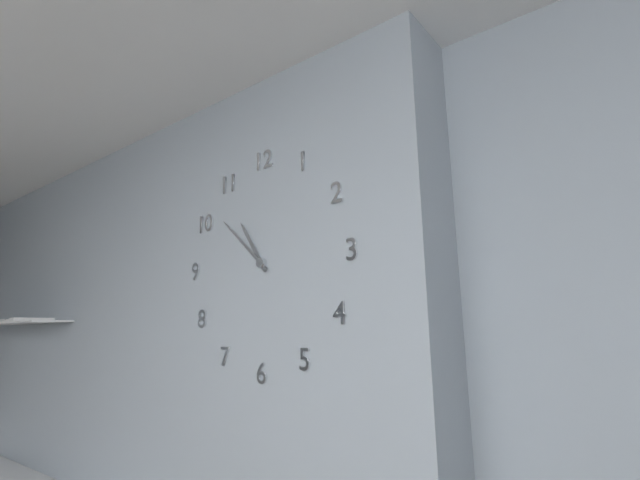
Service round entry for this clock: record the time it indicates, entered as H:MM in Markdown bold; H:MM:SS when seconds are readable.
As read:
**10:52**
